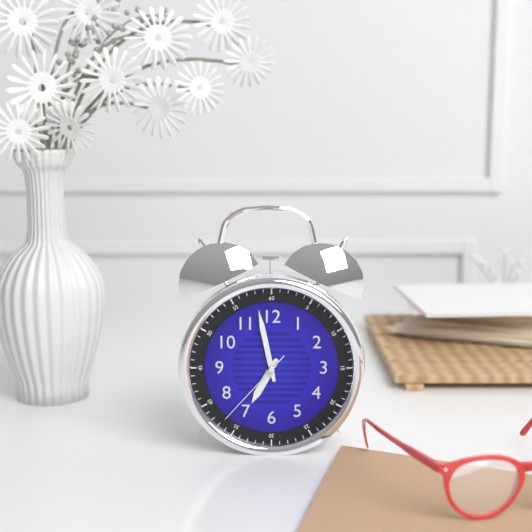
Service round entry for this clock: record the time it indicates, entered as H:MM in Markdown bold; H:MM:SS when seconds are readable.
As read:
**6:58:37**
